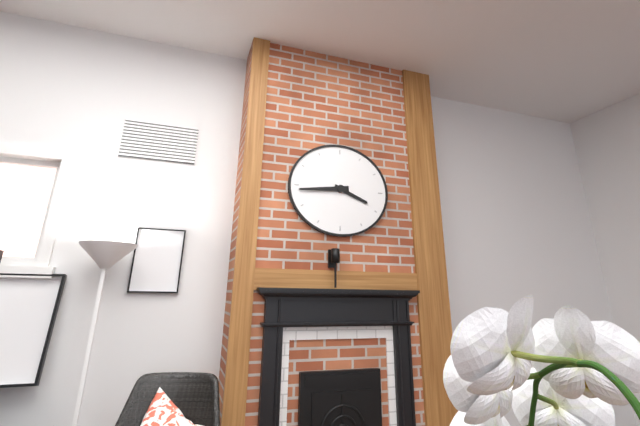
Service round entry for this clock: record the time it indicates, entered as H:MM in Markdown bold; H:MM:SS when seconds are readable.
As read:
**3:44**
